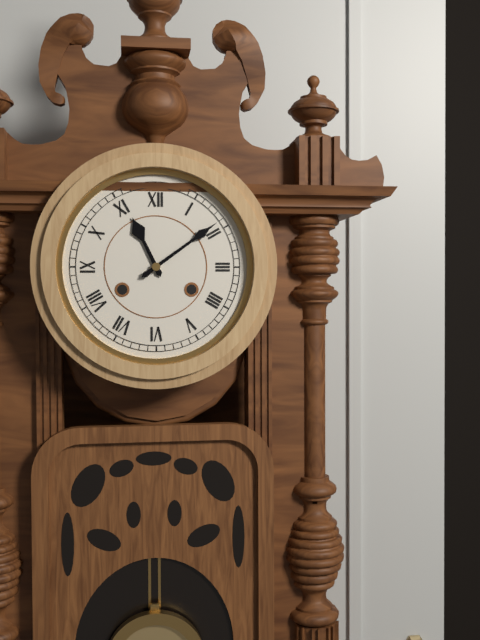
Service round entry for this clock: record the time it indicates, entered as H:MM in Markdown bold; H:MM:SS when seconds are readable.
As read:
**11:09**
